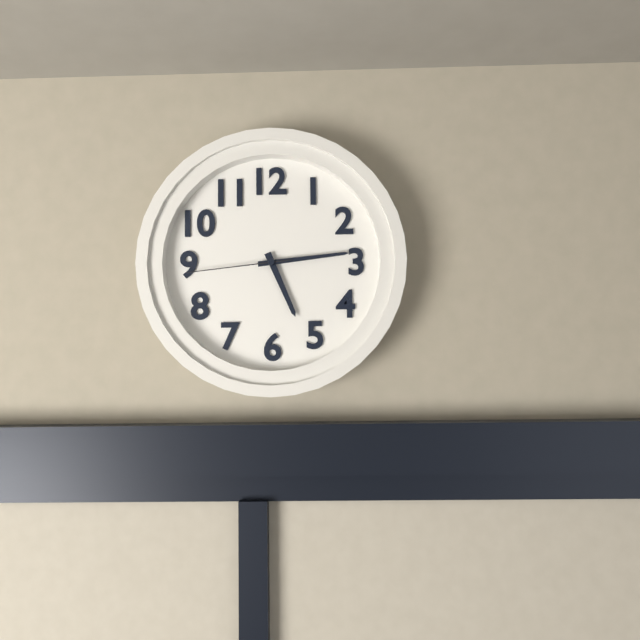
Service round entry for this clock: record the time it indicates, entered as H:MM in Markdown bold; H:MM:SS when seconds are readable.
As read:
**5:14:44**
